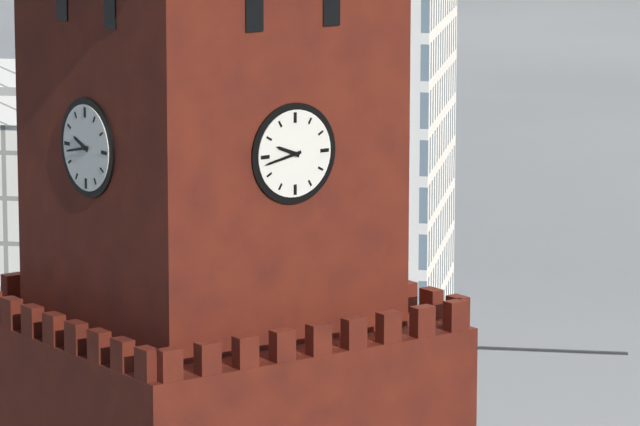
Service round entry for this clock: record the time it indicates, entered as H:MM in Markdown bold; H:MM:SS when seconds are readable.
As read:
**9:43**
